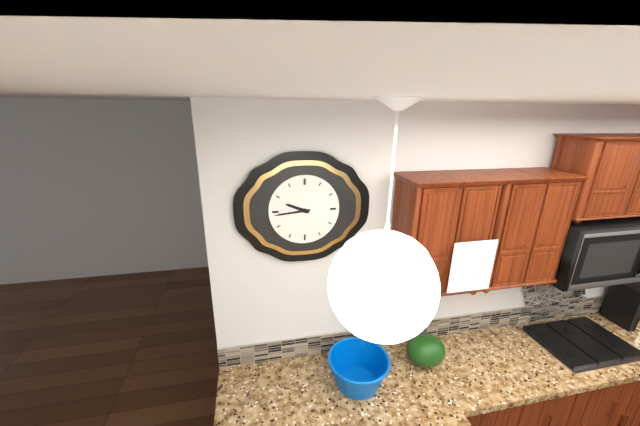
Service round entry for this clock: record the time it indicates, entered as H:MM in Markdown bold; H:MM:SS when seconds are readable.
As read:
**9:44**
